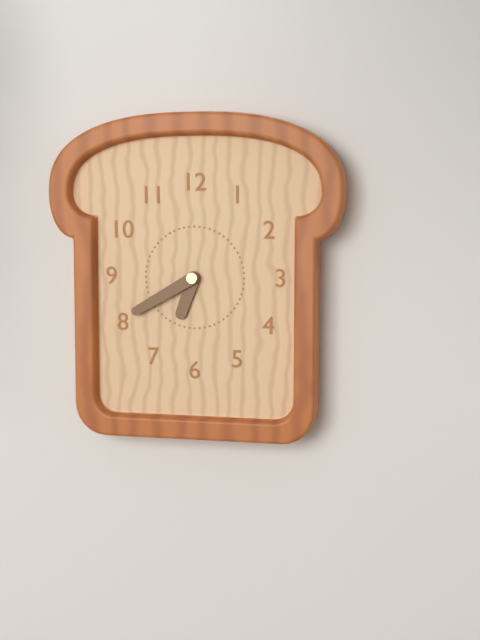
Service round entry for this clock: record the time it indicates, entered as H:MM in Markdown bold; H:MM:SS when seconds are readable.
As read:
**6:40**
